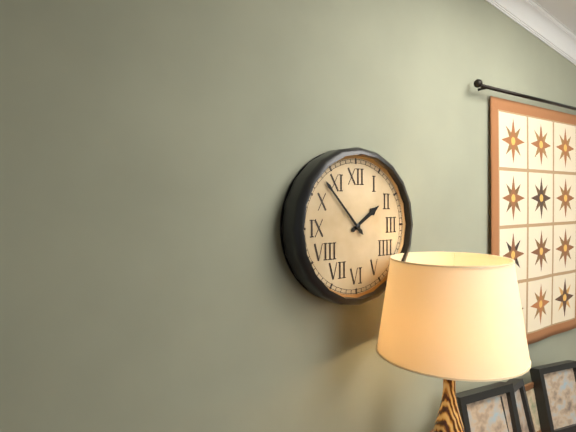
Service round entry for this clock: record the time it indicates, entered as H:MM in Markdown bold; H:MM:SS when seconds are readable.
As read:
**1:53**
